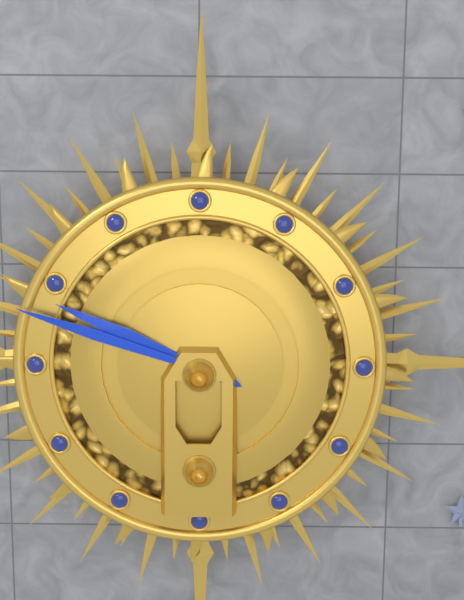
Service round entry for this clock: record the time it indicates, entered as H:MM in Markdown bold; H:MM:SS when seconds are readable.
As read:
**9:48**
